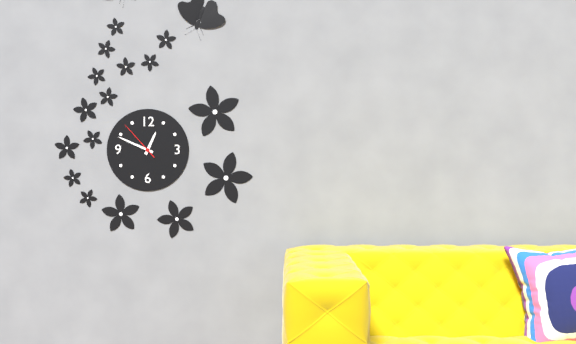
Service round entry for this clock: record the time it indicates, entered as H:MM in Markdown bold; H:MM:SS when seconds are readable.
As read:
**12:49**
